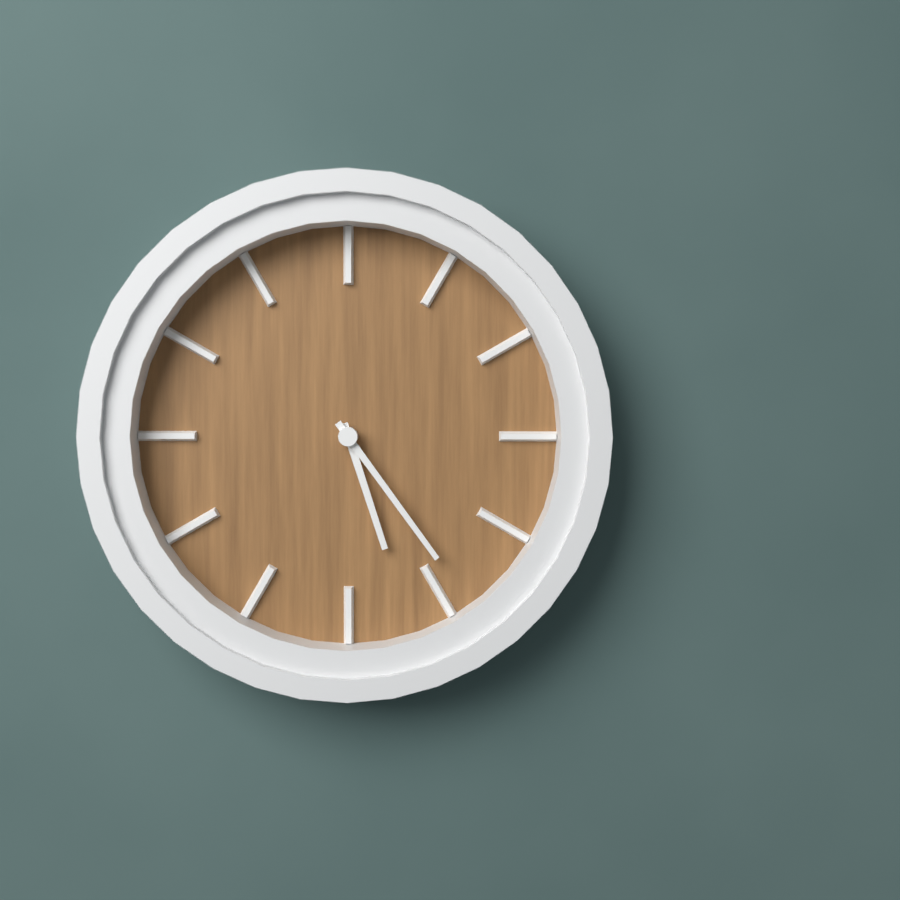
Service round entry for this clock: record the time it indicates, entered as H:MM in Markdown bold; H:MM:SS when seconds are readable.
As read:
**5:24**
